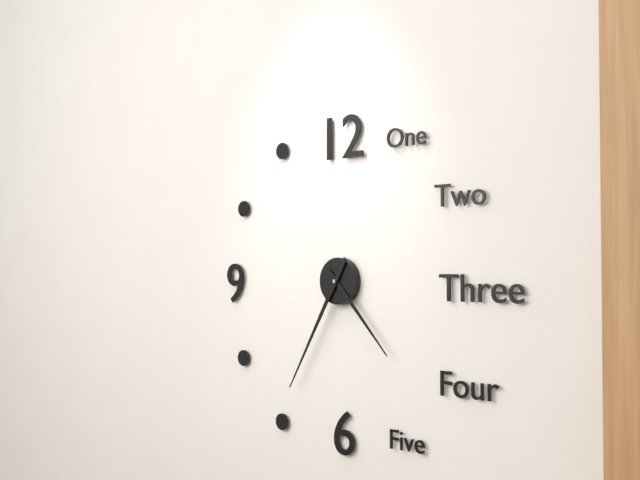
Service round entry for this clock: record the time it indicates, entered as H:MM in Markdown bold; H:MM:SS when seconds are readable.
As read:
**4:35**
